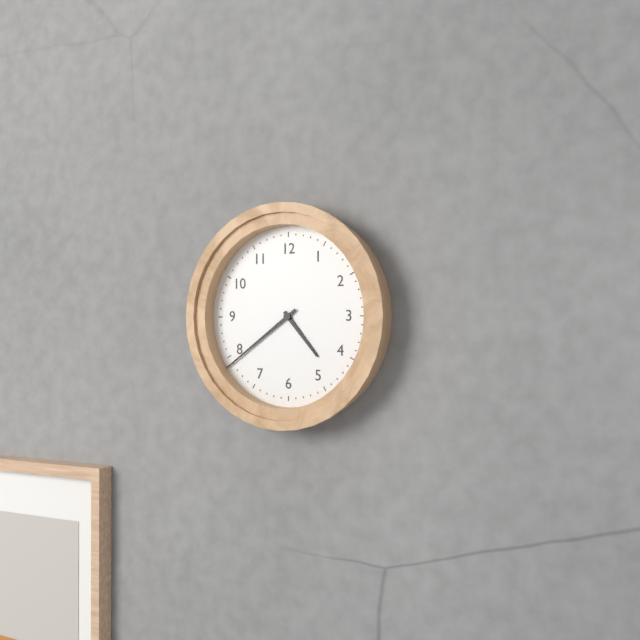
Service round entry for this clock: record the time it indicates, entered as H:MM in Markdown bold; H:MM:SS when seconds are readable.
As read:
**4:39**
